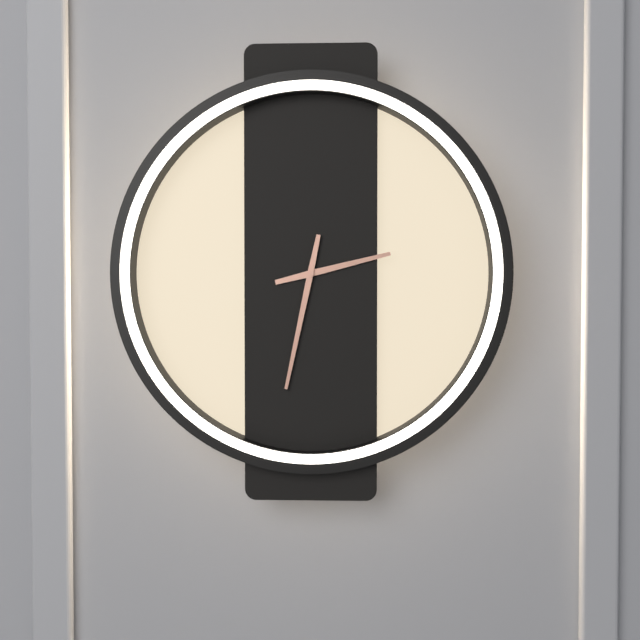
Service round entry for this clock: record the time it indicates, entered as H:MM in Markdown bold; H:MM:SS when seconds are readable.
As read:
**2:32**
